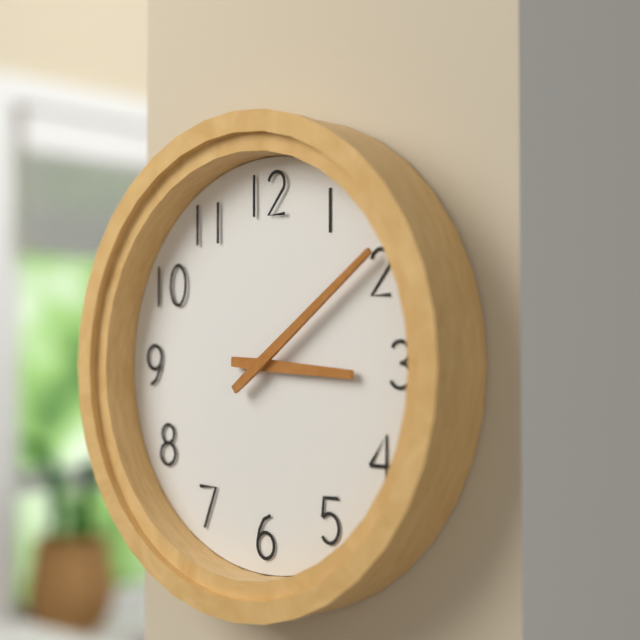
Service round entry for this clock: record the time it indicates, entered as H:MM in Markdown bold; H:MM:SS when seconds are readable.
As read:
**3:09**
